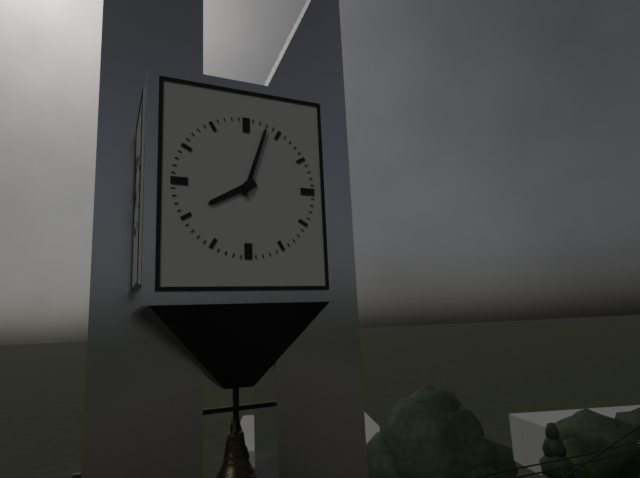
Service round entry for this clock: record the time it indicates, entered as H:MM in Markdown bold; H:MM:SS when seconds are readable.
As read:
**8:03**
